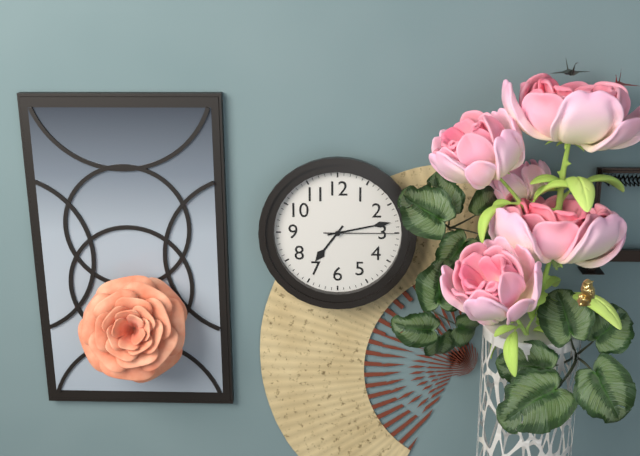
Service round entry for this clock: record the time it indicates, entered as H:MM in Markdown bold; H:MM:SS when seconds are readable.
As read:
**7:13:15**
